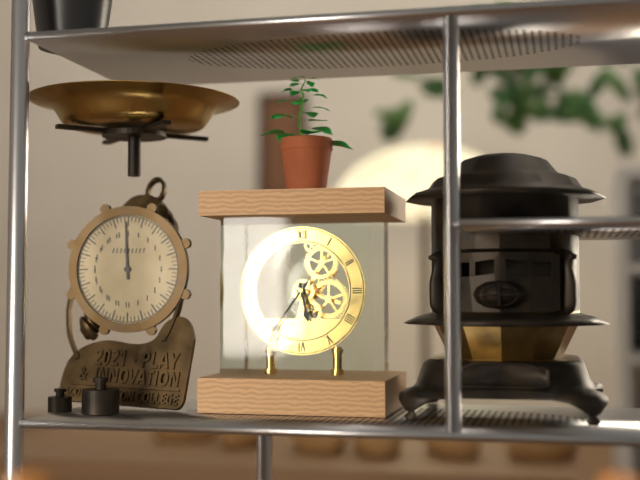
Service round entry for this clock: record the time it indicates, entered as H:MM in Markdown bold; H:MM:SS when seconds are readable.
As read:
**5:36**
